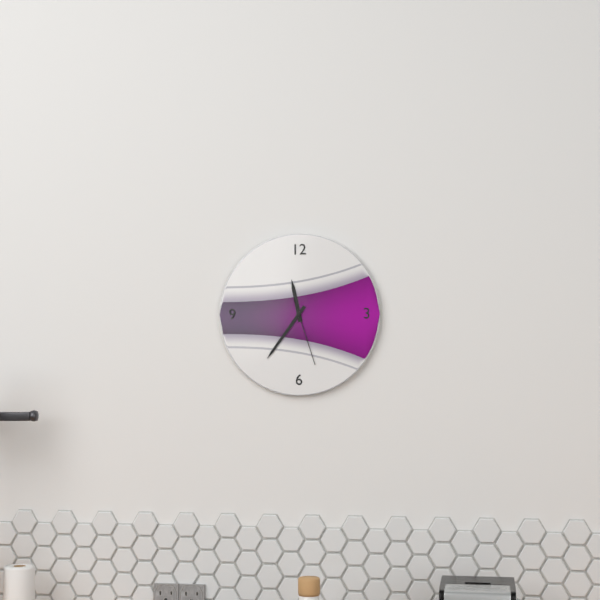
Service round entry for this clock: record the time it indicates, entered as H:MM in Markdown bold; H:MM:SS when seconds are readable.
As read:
**11:36:27**
